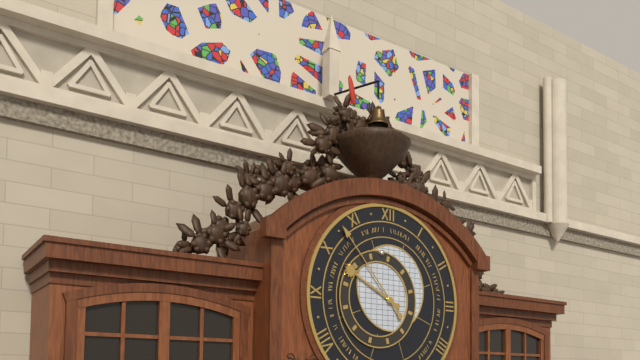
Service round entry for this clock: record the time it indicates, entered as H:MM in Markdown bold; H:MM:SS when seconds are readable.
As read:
**9:53**
